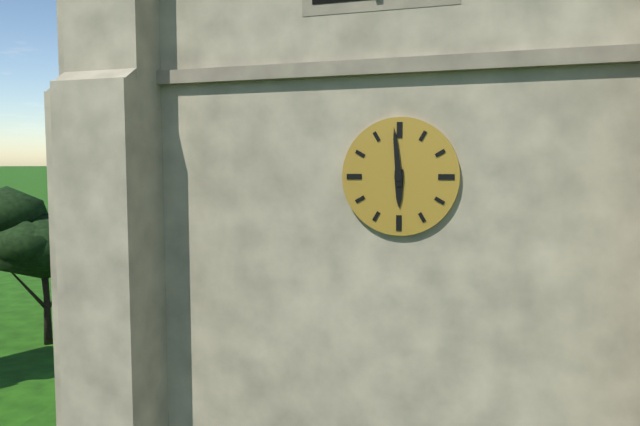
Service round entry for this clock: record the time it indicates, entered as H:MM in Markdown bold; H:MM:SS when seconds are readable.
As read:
**5:59**
